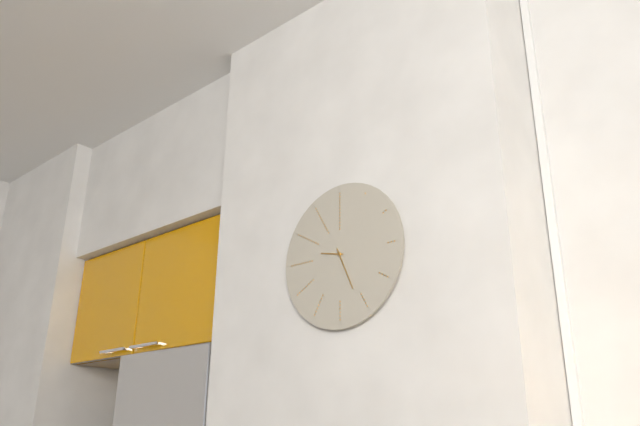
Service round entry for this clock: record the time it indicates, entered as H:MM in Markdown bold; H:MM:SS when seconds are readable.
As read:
**9:26**
